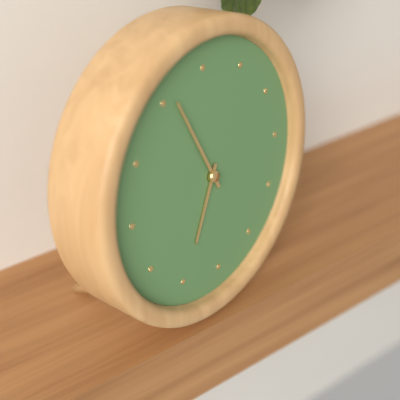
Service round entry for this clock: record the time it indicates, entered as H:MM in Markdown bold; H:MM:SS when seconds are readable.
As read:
**6:56**
